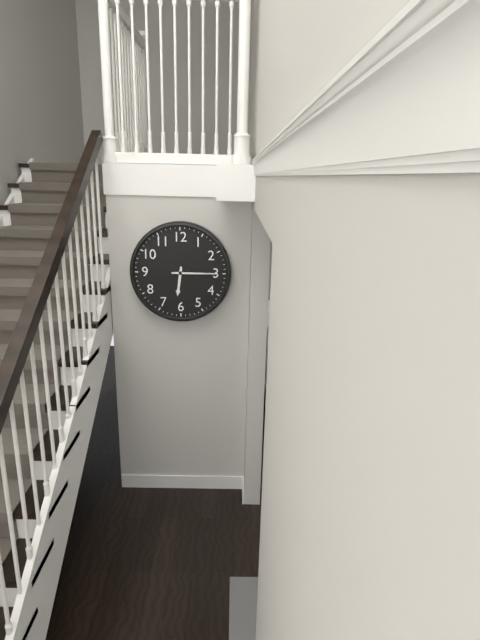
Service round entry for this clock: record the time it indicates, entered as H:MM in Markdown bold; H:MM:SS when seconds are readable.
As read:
**6:15**
